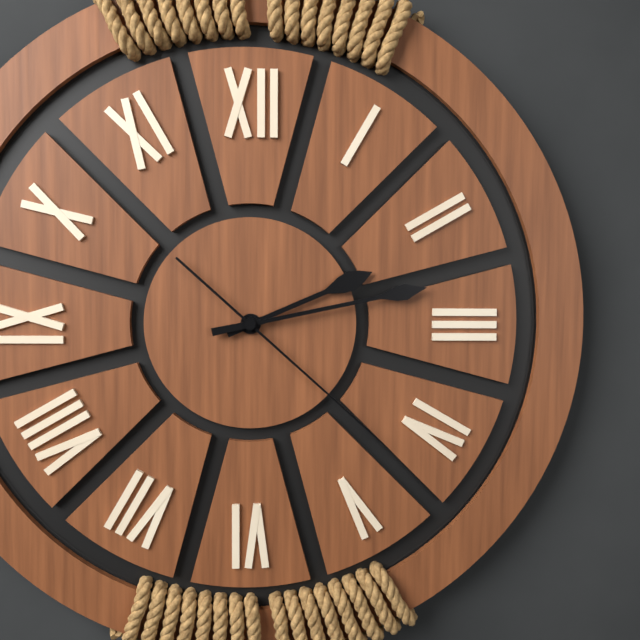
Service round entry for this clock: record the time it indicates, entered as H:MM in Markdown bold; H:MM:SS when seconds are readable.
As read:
**2:13:22**
